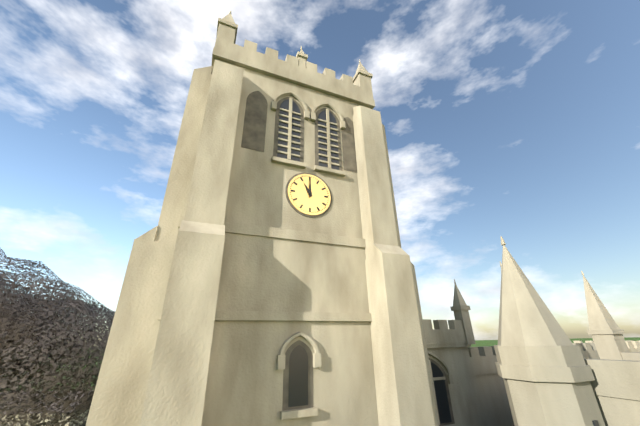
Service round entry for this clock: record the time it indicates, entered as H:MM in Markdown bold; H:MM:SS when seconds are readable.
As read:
**11:00**
